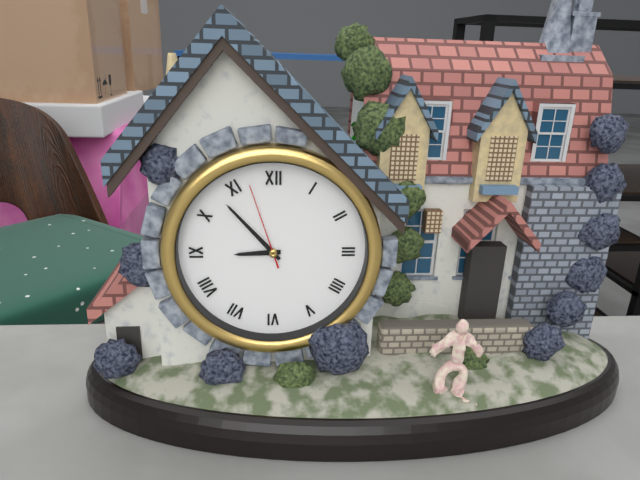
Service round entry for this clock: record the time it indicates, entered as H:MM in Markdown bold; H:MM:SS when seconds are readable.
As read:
**8:53:57**
